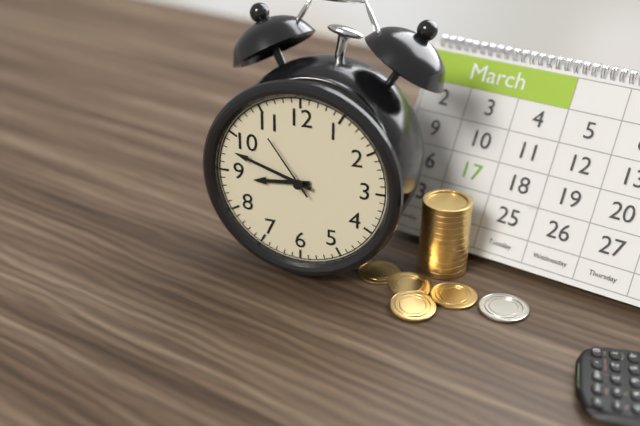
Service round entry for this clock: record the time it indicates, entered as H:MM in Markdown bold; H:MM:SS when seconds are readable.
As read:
**8:48:54**
